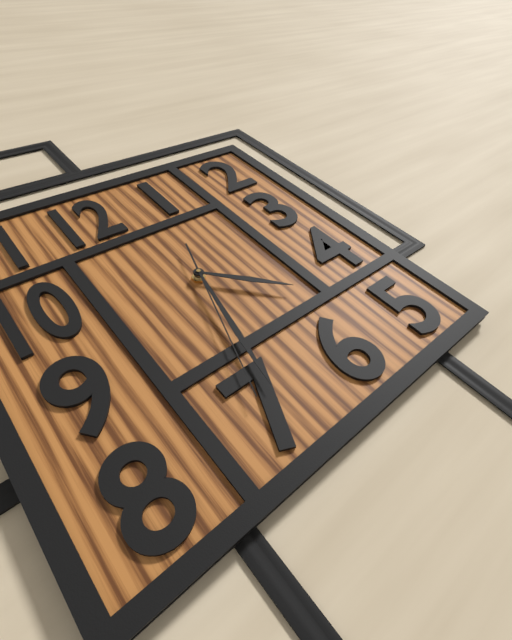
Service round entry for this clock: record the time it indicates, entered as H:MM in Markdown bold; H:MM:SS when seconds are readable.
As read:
**4:32:33**
